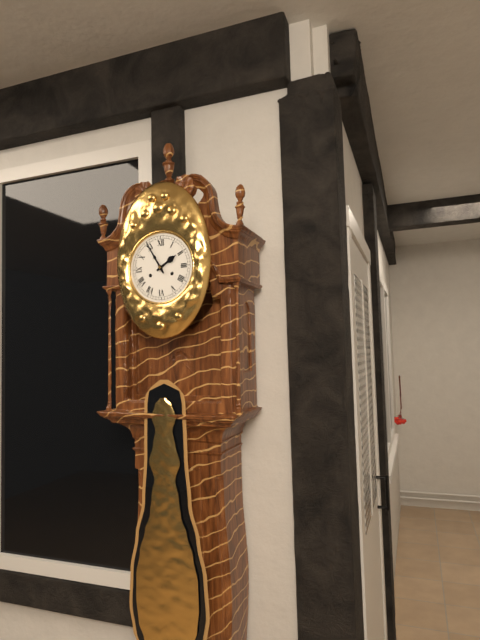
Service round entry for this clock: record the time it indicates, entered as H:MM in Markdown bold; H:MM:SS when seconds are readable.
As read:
**1:55**
